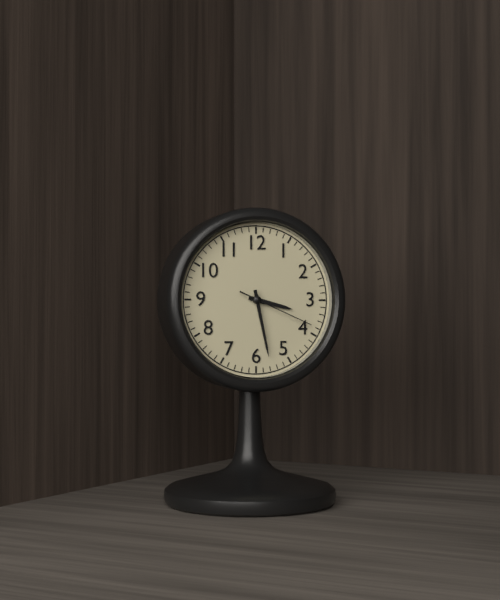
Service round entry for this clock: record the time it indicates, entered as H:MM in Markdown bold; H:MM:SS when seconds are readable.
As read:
**3:28:19**
